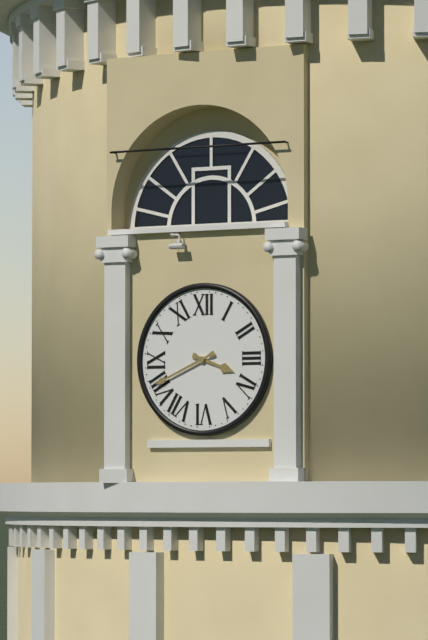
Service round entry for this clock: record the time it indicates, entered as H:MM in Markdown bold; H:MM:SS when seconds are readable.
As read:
**3:41**
